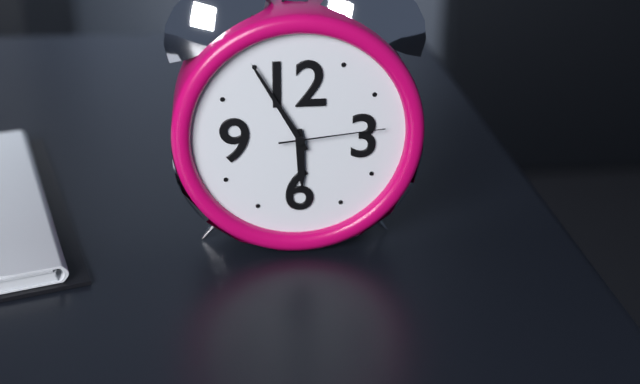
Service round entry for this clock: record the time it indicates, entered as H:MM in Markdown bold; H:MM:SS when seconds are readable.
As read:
**5:55:14**
